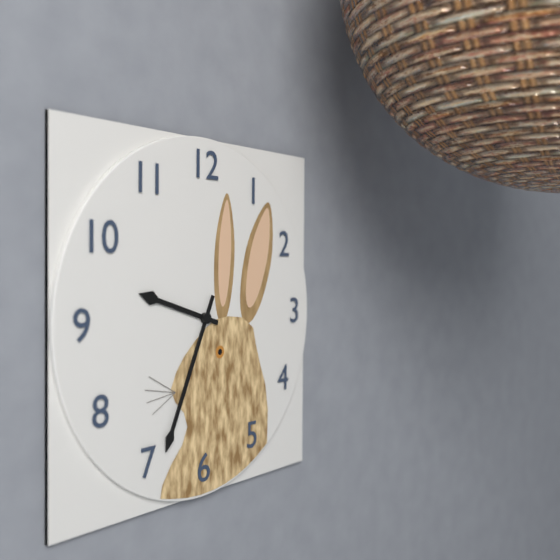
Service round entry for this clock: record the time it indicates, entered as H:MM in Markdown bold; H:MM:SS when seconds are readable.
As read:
**9:34**
